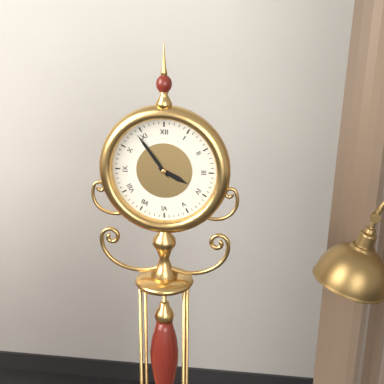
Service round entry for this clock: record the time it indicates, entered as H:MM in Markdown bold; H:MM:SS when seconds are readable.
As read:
**3:54**
